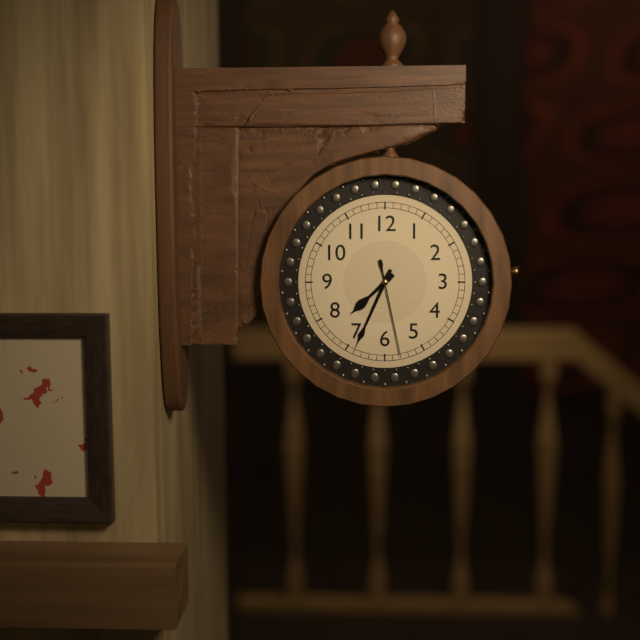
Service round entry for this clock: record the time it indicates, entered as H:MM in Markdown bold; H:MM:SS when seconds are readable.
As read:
**7:34:28**
